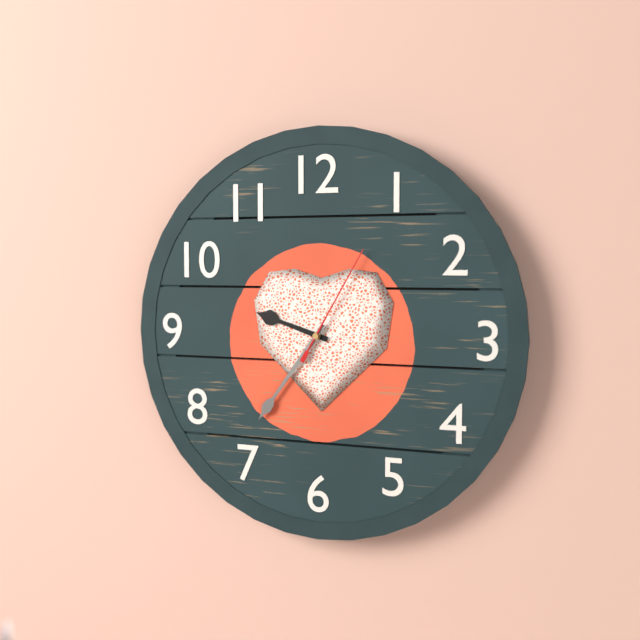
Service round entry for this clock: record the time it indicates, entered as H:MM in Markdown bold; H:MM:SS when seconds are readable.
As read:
**9:36:05**
